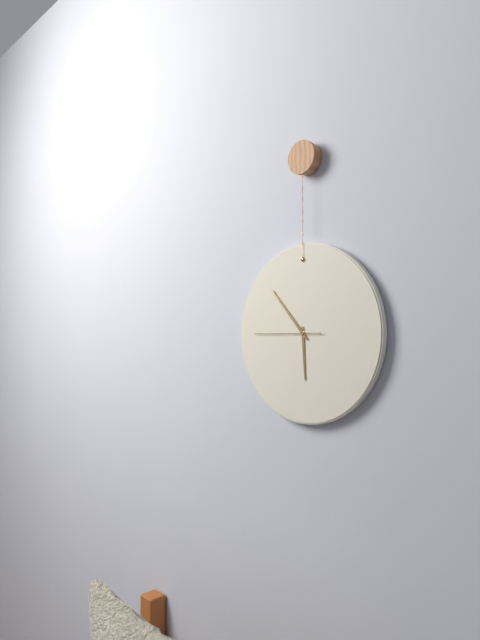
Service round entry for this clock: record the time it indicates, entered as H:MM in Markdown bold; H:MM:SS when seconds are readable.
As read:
**5:53:45**
